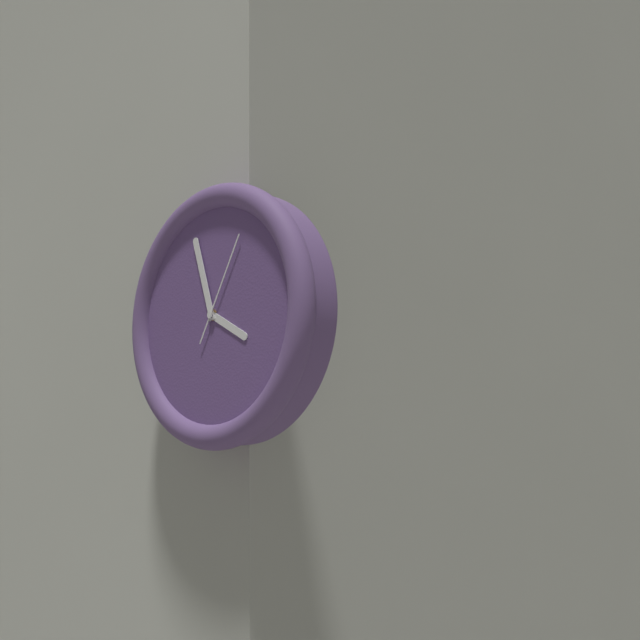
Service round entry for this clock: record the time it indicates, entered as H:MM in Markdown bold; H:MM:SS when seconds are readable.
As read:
**3:57:05**
